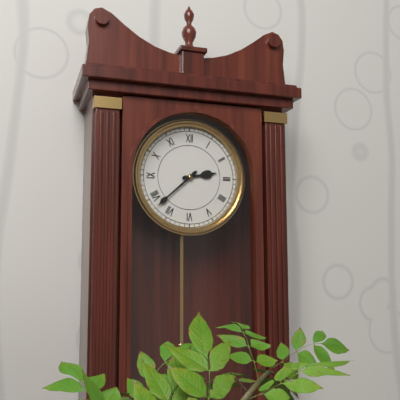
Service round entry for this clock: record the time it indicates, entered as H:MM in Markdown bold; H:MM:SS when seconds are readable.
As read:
**2:38**
